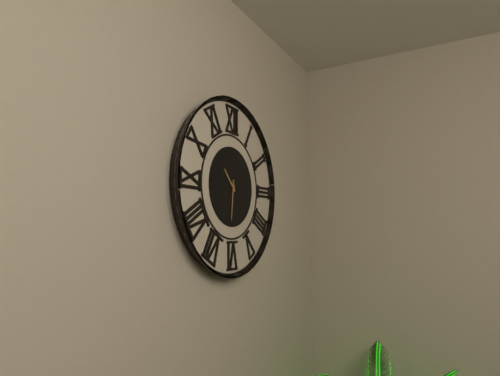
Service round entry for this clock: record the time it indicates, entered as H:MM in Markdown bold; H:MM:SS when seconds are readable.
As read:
**10:31**
